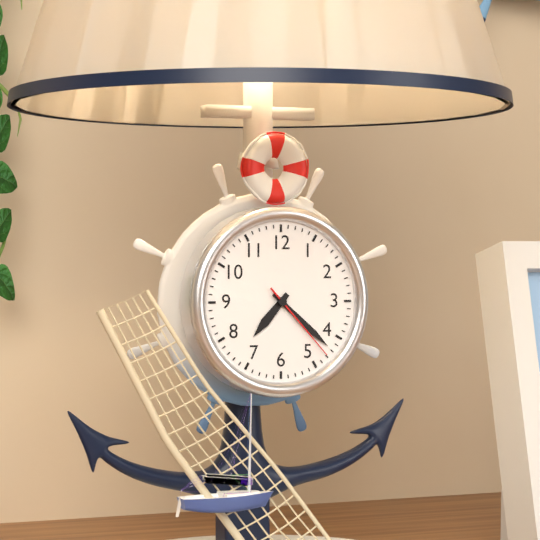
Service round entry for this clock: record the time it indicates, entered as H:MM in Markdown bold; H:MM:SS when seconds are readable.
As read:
**7:22:23**
